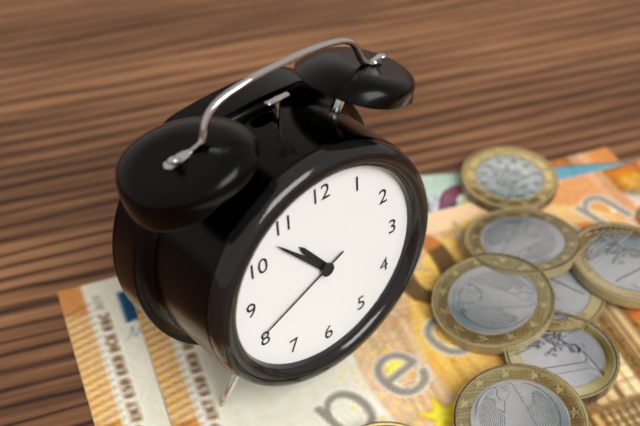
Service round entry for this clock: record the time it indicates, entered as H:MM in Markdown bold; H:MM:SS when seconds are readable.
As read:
**10:53:41**
